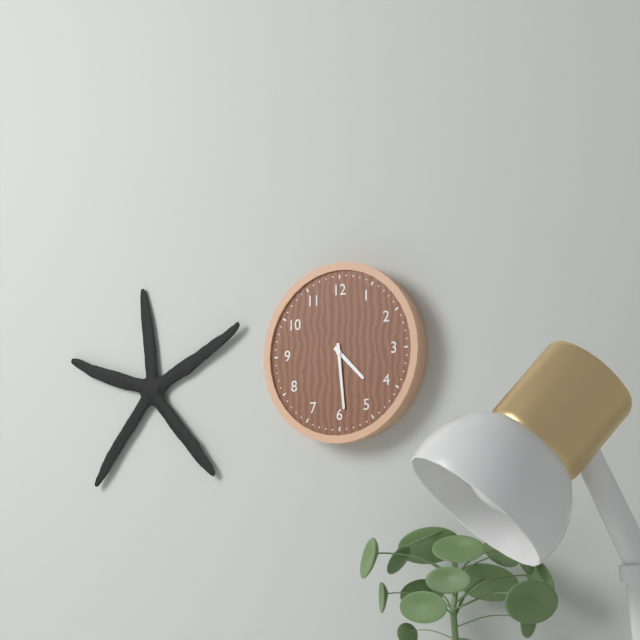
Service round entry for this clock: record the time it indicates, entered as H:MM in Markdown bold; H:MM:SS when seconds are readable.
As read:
**4:29**
